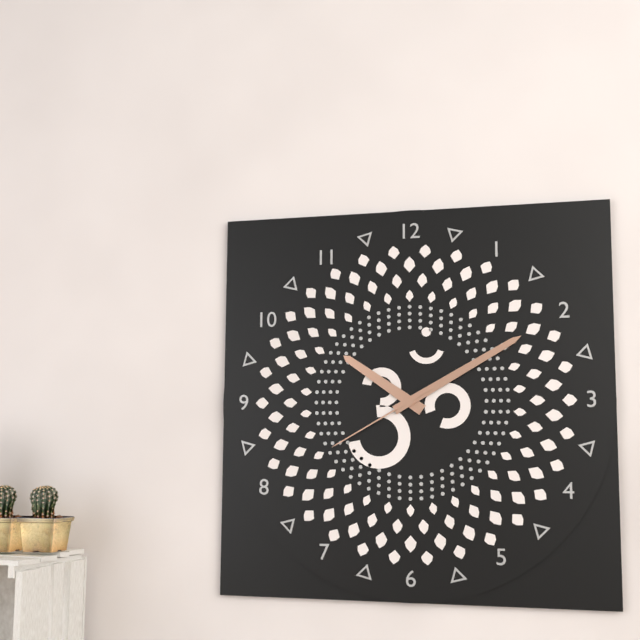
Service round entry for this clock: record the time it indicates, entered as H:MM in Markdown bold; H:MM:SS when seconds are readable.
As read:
**10:10:40**
